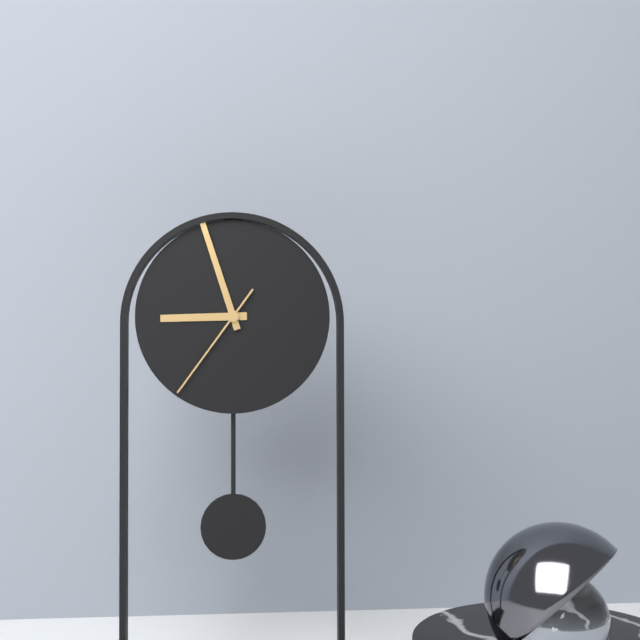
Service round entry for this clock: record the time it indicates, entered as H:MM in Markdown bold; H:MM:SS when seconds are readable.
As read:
**8:57:36**
